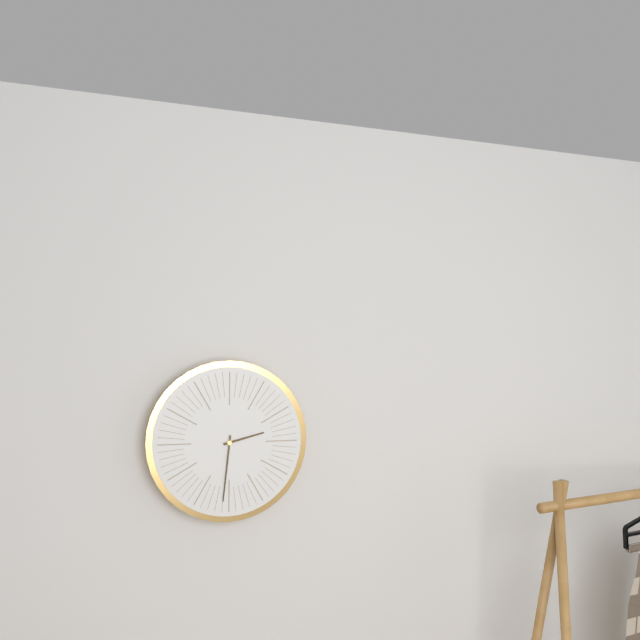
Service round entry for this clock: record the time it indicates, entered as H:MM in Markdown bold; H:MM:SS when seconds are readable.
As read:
**2:31**
